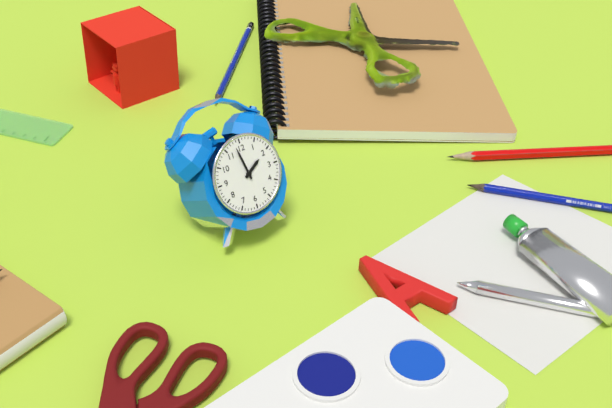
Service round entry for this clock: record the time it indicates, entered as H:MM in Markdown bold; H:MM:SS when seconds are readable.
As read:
**1:58**
